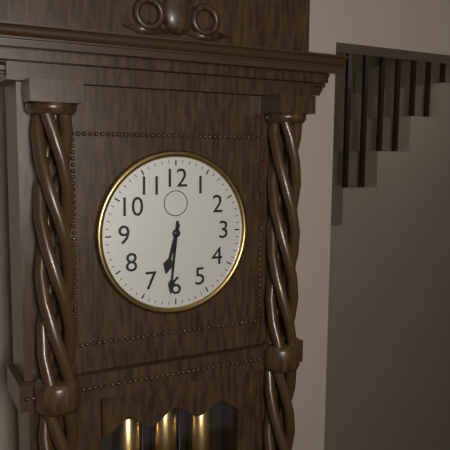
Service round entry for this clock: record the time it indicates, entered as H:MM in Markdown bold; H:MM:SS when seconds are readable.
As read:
**6:31**
